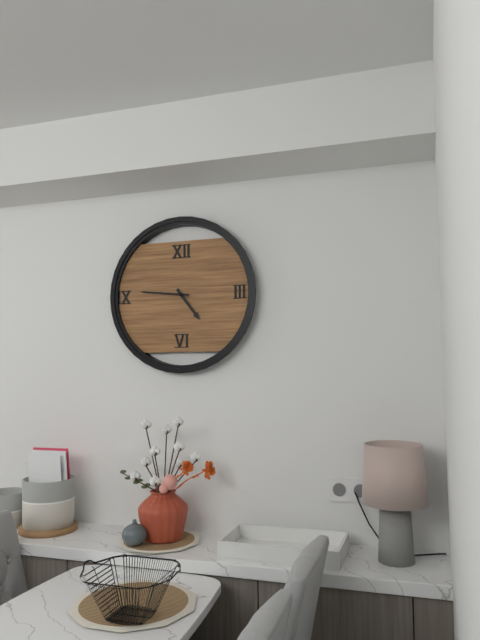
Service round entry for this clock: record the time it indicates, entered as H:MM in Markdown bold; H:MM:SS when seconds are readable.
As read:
**4:46**
